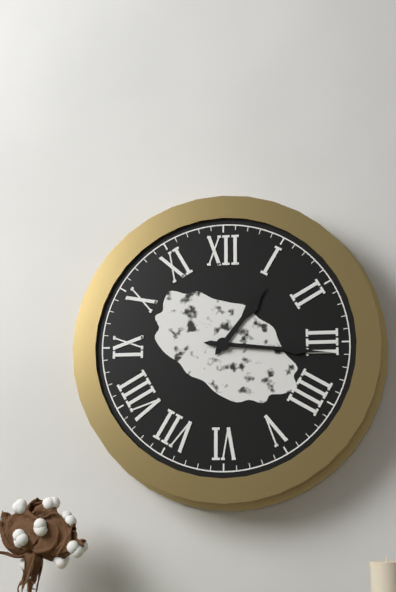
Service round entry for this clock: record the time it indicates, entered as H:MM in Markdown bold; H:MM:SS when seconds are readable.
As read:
**1:16**
